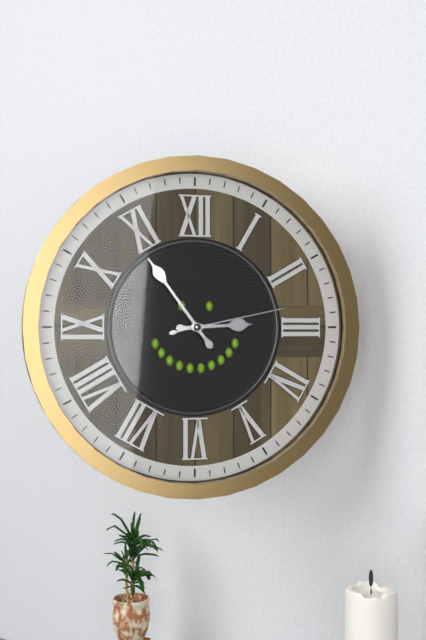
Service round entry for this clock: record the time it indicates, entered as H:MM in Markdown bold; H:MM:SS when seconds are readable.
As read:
**2:54:13**
